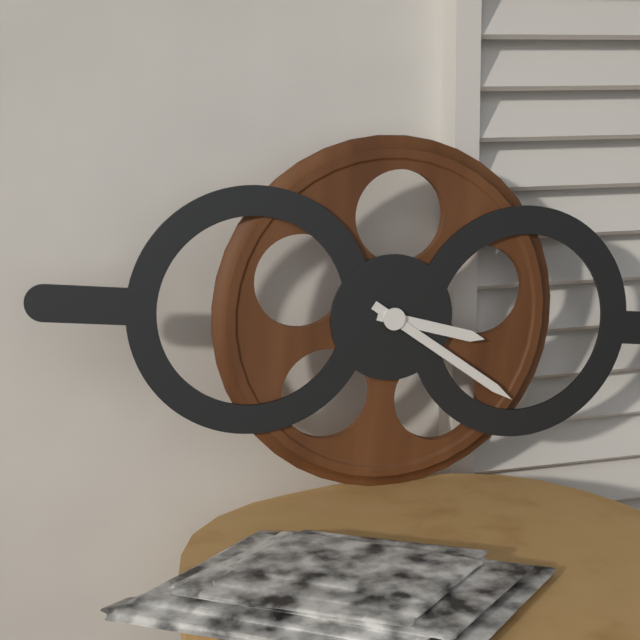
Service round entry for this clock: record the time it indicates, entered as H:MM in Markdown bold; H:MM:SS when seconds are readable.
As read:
**3:20**
